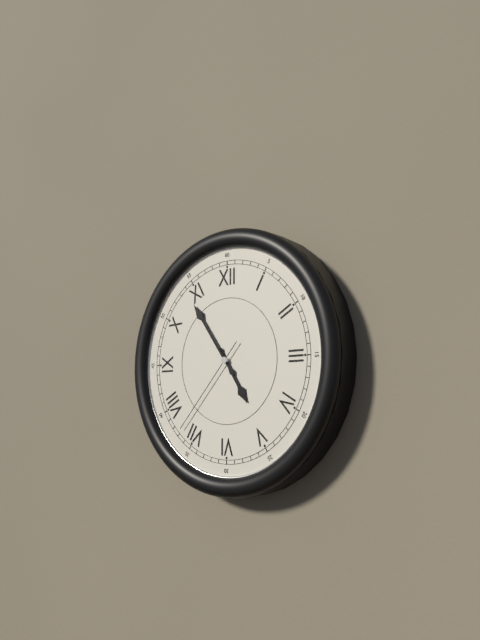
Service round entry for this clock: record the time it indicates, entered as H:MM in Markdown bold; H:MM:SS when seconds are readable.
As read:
**4:54:37**
